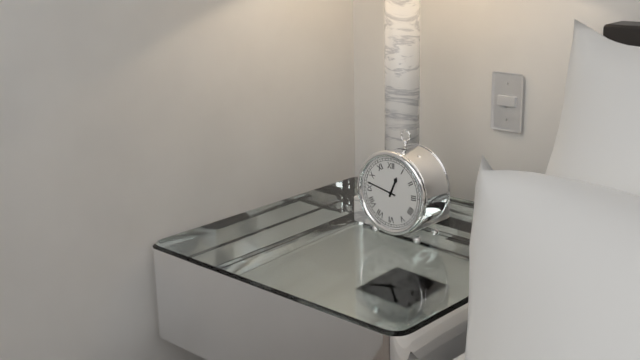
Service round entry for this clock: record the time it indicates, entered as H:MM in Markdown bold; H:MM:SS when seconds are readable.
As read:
**12:47**
